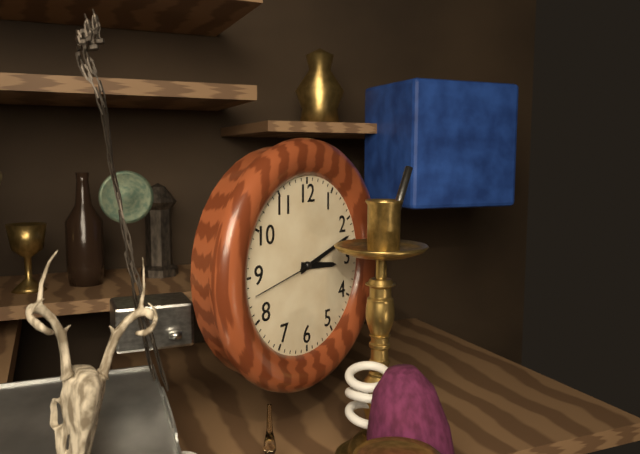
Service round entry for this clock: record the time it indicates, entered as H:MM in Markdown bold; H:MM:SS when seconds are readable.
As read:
**3:12:43**
